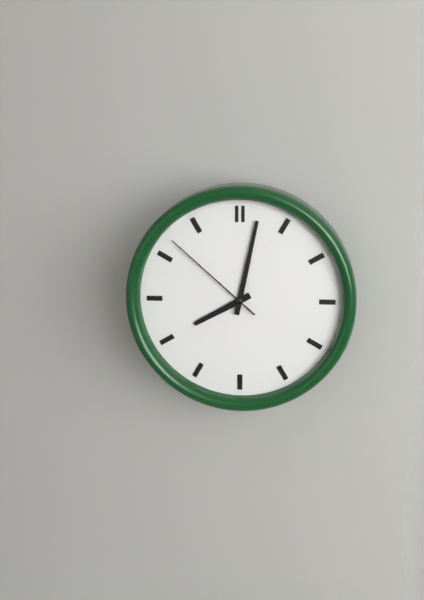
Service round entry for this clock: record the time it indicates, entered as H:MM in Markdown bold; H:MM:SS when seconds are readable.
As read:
**8:02:52**
